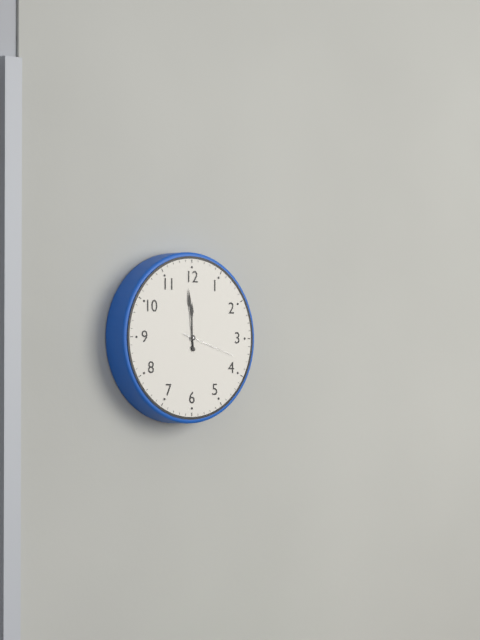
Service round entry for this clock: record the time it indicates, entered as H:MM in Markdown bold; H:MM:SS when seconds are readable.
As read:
**11:59:18**
